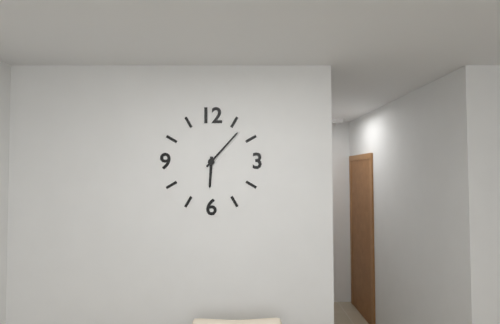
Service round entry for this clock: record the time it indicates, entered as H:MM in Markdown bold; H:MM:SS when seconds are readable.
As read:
**6:07**
